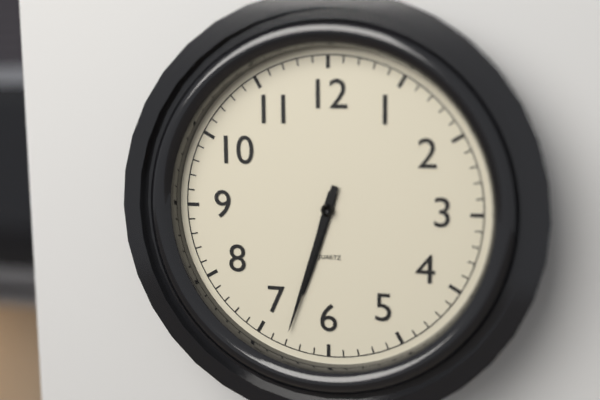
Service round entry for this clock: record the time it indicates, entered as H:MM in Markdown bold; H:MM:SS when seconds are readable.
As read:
**6:33**
